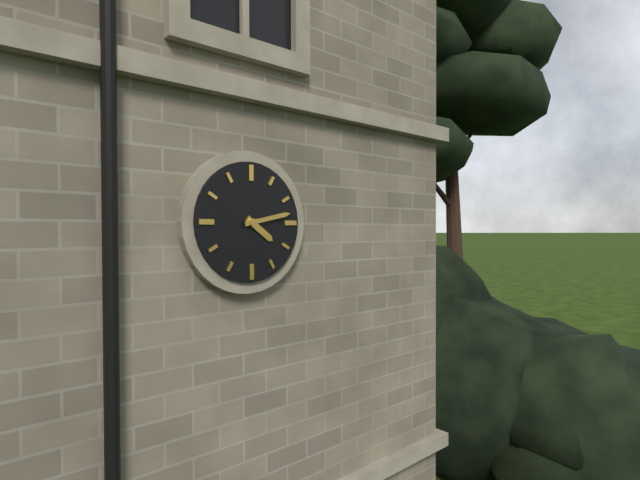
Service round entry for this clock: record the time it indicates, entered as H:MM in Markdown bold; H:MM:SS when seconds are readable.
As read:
**4:13**
